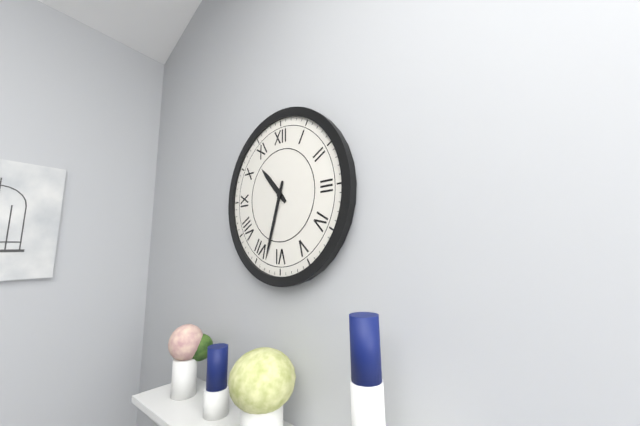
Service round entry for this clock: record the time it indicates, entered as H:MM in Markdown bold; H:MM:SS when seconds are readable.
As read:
**10:33**
